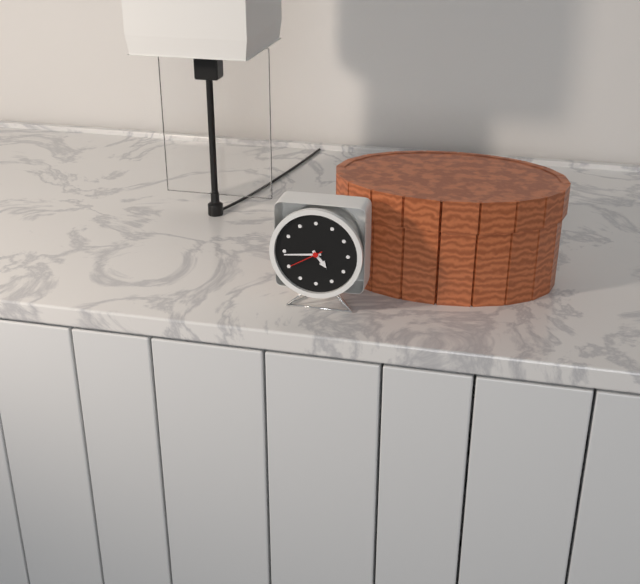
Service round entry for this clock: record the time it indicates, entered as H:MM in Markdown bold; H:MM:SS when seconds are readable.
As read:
**4:44**
